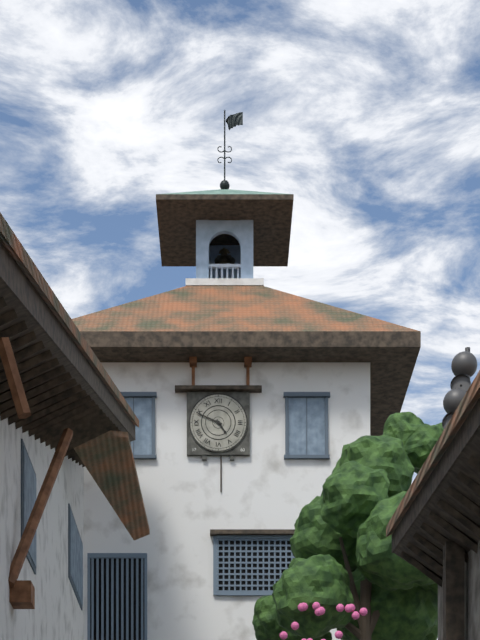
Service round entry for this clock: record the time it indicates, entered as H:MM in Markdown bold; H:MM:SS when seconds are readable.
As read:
**4:49**
